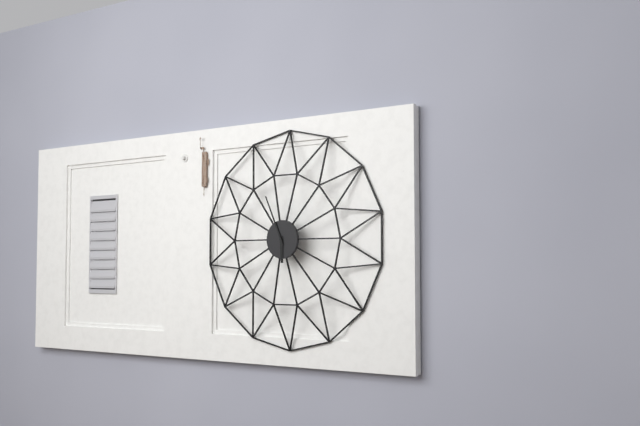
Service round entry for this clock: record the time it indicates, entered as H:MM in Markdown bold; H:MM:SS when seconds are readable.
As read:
**5:56**
